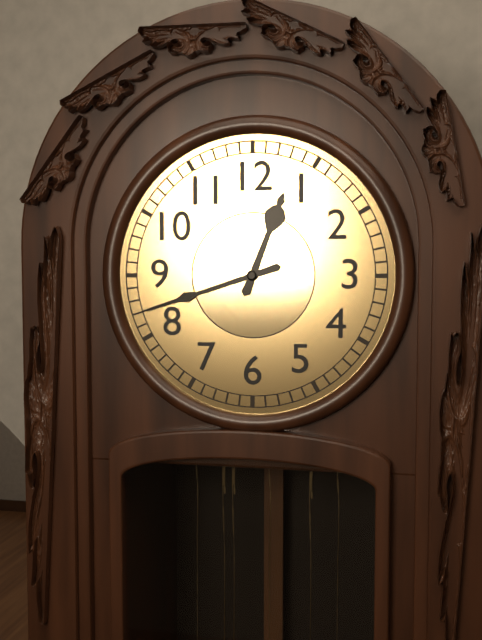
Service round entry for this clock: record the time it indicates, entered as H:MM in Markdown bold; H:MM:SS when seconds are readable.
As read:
**12:42**
